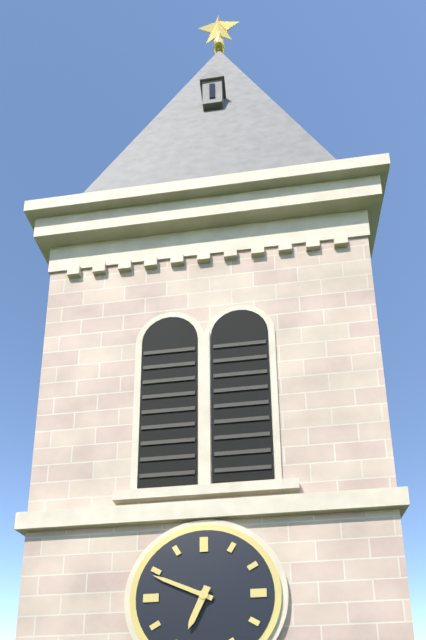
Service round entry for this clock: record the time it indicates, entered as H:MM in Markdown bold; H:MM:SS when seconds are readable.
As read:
**6:49**
